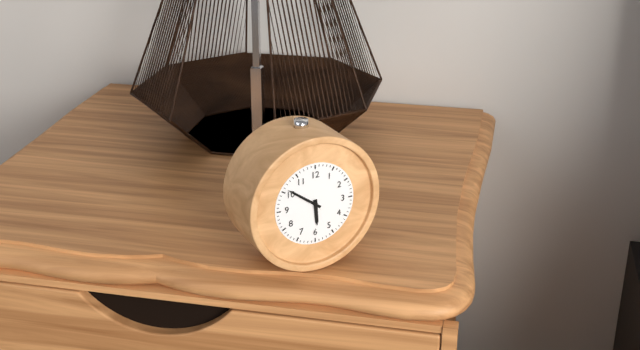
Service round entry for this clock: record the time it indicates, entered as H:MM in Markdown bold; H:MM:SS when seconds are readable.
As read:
**5:51**
